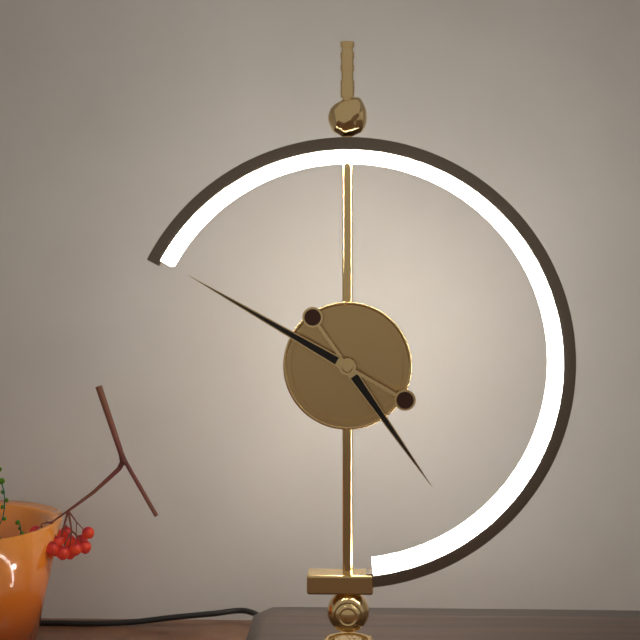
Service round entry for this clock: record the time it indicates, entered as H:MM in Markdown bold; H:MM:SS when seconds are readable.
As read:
**4:50**
